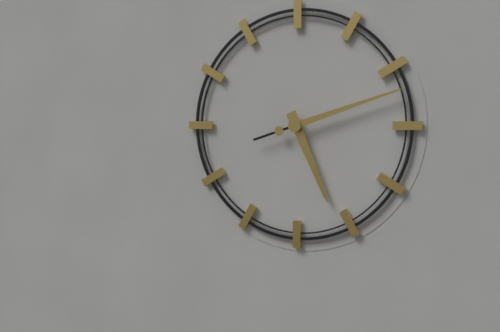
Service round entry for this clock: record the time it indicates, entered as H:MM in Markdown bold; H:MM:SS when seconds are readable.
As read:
**5:12**
